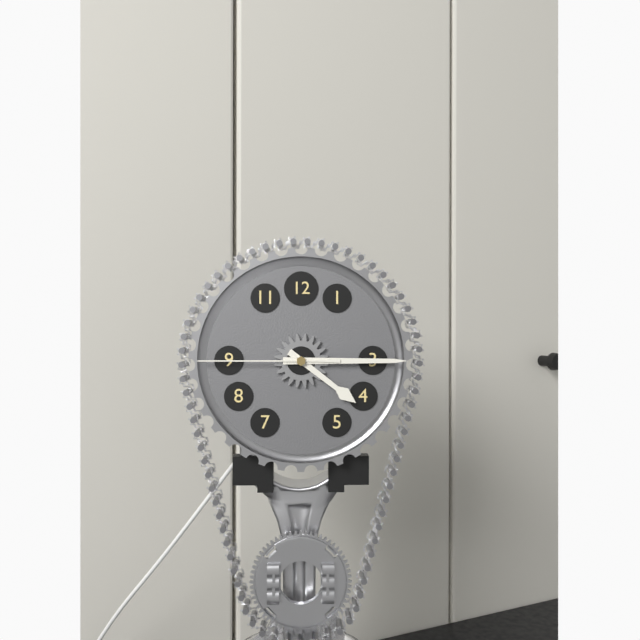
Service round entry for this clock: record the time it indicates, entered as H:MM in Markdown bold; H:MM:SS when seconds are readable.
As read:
**4:15:45**
